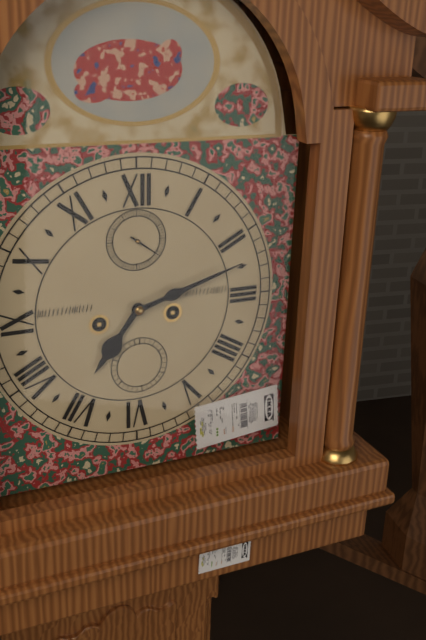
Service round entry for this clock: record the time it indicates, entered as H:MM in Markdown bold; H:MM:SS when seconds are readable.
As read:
**7:12**
